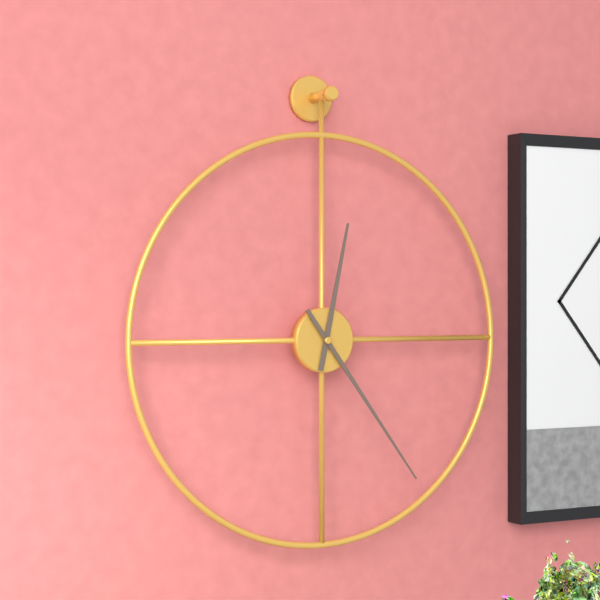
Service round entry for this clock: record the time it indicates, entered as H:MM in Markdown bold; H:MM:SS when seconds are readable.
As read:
**12:24**
